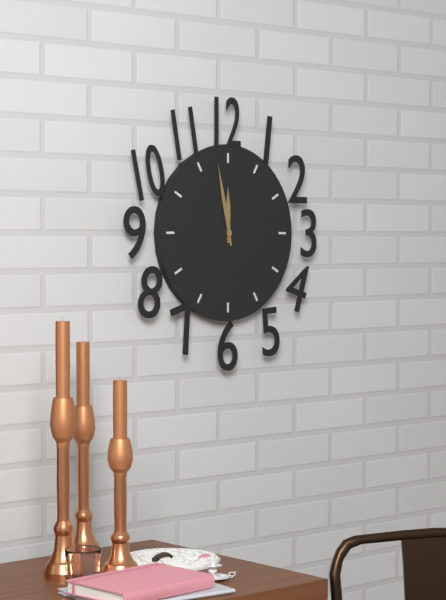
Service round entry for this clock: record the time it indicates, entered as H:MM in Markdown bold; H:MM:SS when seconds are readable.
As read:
**11:58**
